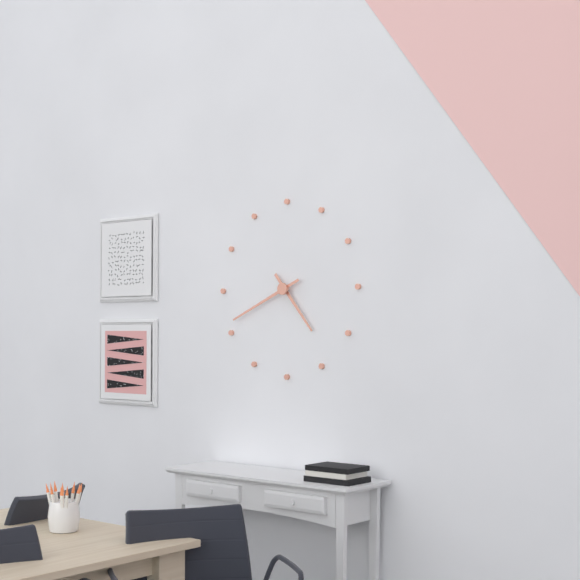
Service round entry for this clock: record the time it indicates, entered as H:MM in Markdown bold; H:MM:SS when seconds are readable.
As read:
**4:41**
